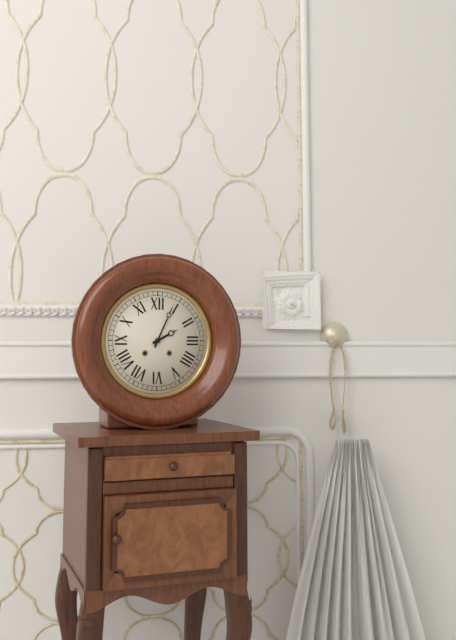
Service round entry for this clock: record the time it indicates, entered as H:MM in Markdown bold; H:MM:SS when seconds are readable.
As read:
**2:04**
